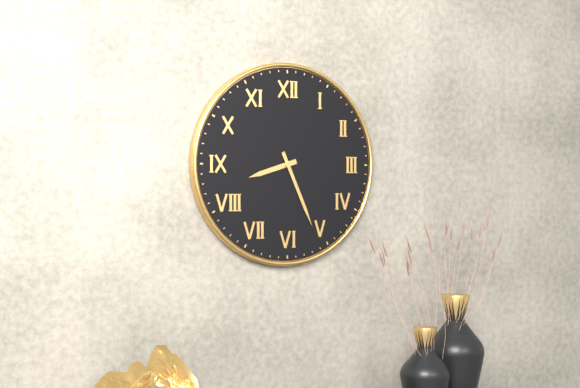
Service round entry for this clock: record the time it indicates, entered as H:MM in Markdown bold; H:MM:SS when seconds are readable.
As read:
**8:26**
